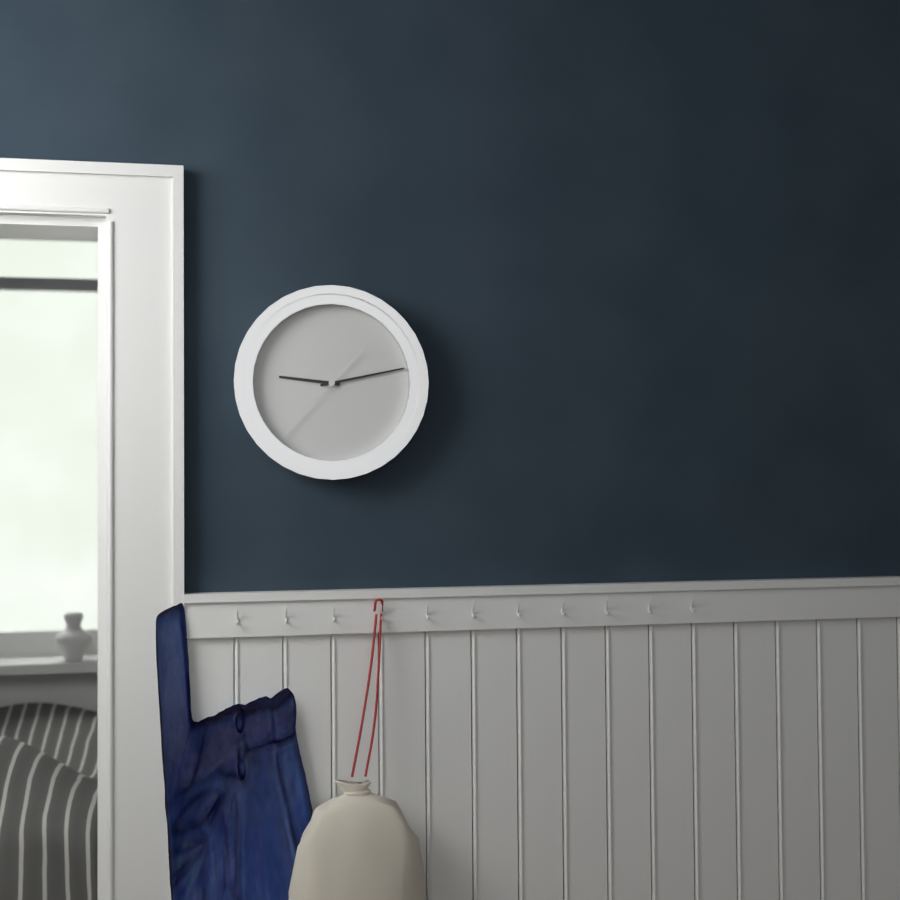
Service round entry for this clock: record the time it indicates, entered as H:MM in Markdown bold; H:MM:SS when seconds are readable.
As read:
**9:13:37**
